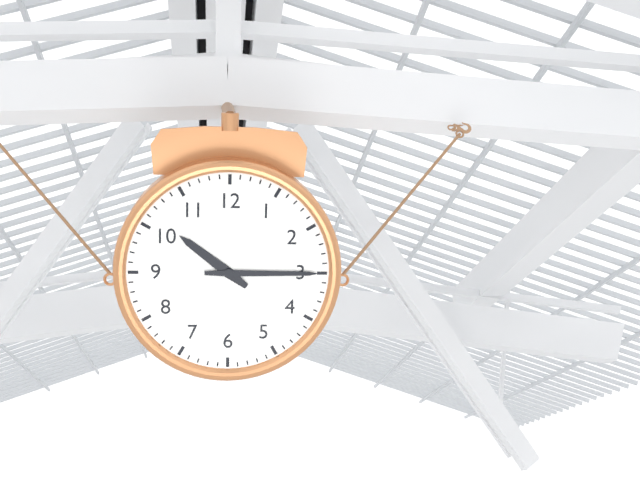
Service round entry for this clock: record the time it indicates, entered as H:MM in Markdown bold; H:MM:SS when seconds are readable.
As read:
**10:15**
